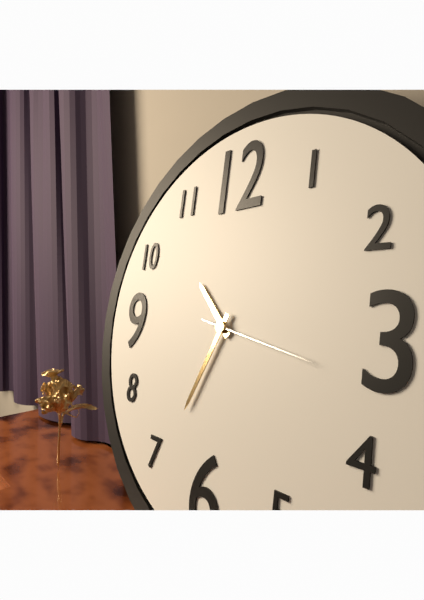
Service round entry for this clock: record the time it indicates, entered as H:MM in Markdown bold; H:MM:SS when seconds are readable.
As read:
**10:34:17**
